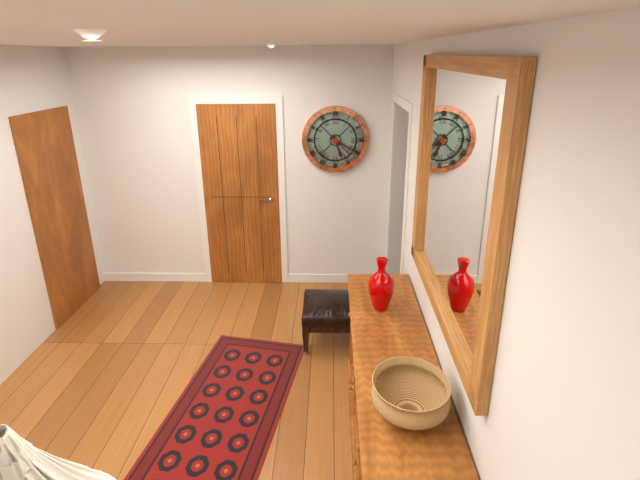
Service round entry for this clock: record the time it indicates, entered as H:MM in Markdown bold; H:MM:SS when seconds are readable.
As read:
**5:20**
